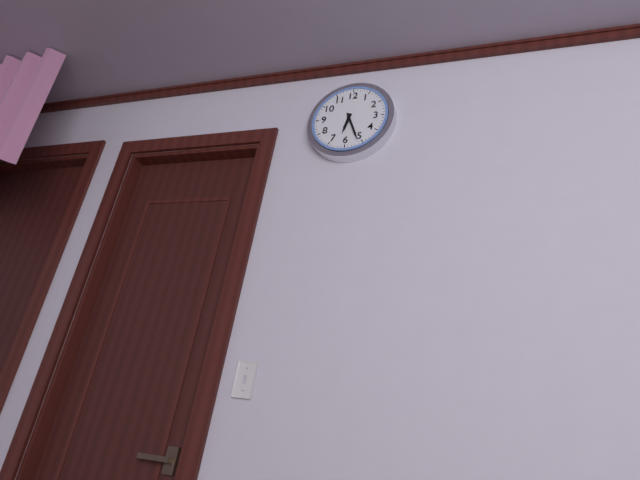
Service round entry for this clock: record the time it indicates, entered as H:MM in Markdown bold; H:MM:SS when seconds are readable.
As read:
**6:26**
